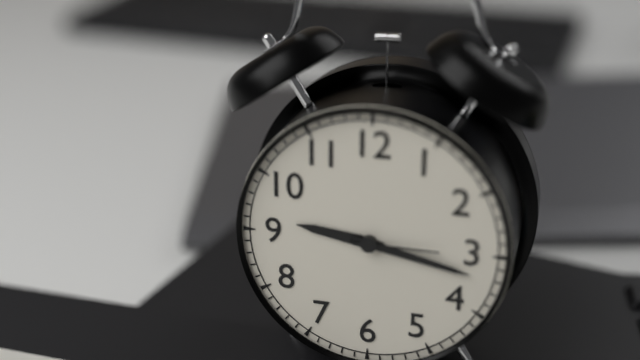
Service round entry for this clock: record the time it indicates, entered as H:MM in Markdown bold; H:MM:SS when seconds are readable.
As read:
**9:17:15**
